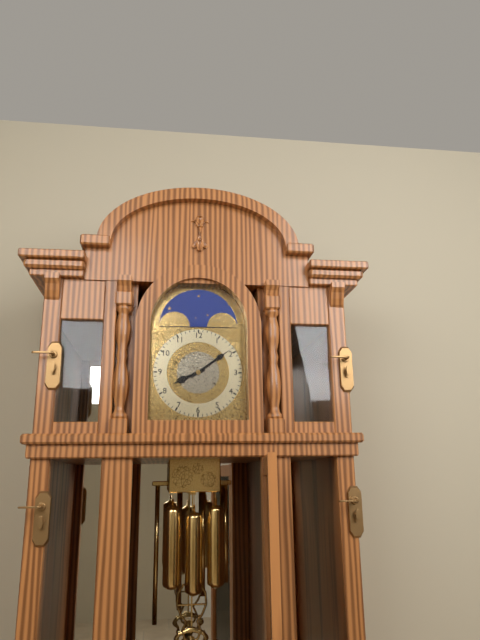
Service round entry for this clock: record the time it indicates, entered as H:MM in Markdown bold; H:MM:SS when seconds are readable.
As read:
**8:09**
